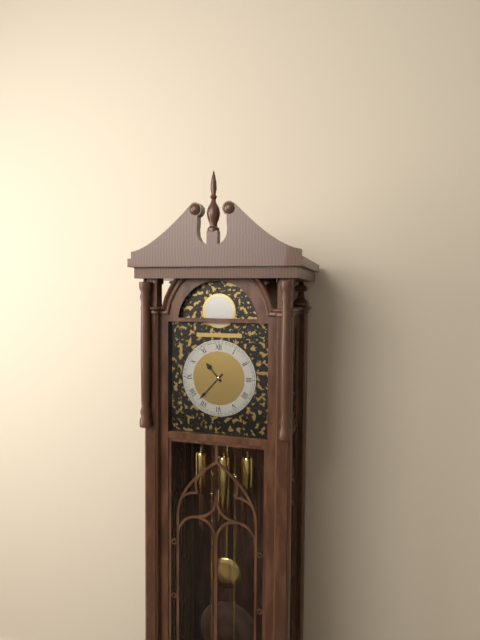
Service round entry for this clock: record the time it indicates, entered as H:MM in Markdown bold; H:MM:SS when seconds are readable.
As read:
**10:37**
